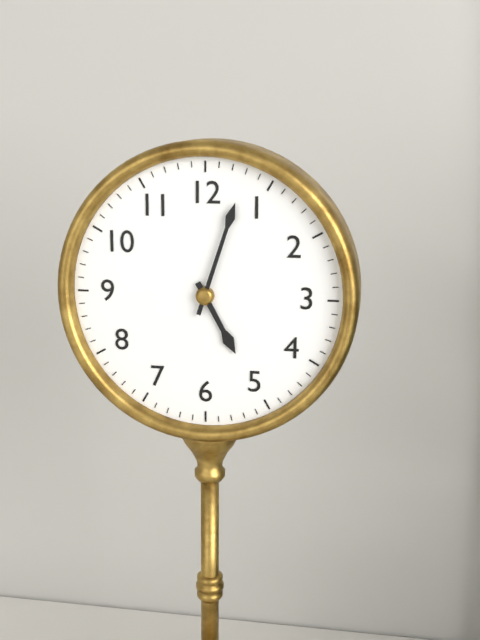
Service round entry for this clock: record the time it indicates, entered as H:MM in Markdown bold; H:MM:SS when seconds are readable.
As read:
**5:03**
